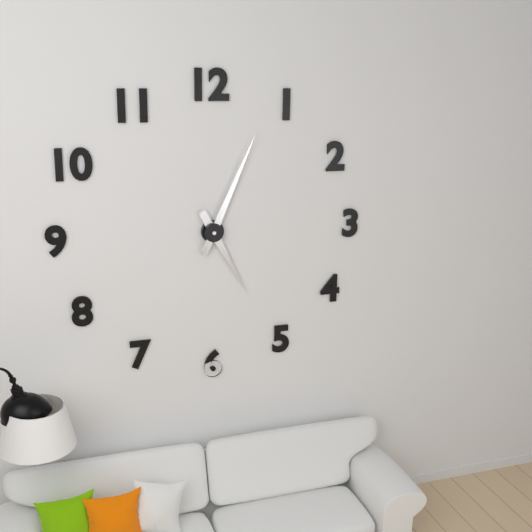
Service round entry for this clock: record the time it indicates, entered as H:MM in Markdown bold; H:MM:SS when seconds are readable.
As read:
**5:04**
